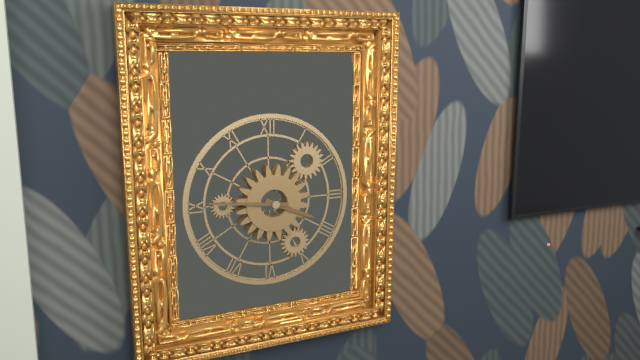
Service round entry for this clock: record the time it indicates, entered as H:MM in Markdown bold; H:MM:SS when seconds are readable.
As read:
**3:46**
